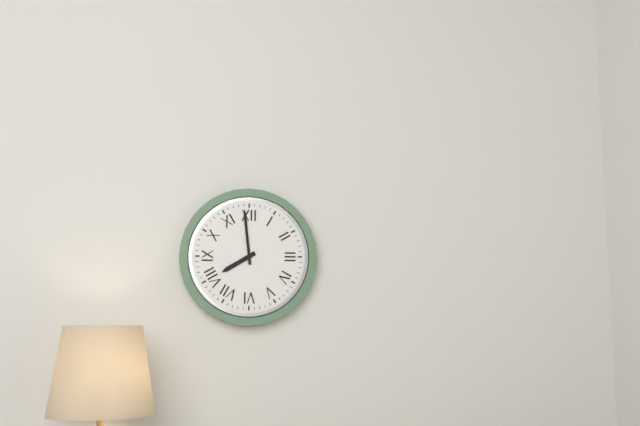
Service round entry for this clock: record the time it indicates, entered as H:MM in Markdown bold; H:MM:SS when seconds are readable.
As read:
**7:59**
